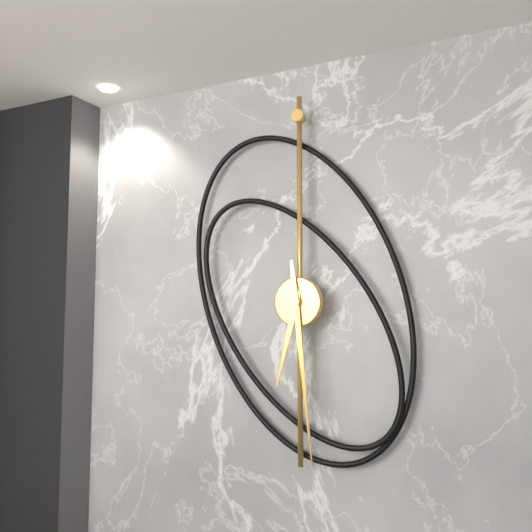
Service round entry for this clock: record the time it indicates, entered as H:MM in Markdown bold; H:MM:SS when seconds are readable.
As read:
**6:29**
